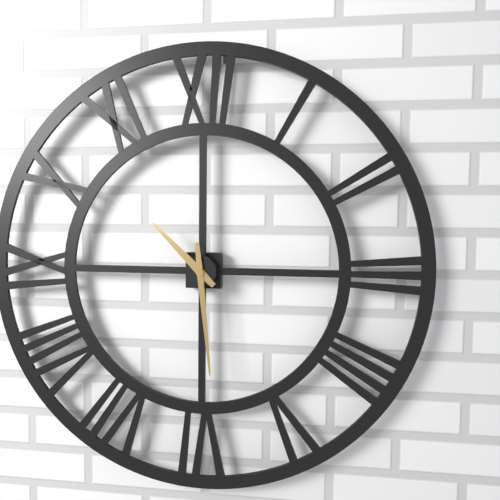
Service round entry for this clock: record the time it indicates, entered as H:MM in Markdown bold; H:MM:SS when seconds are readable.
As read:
**10:29**
